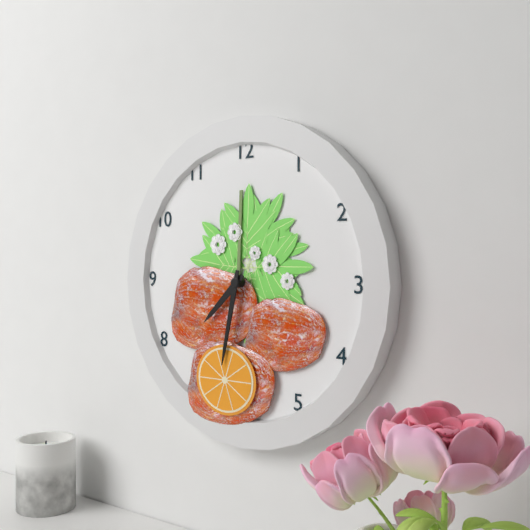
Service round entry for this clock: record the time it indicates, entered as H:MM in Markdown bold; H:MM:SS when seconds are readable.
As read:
**7:32**
